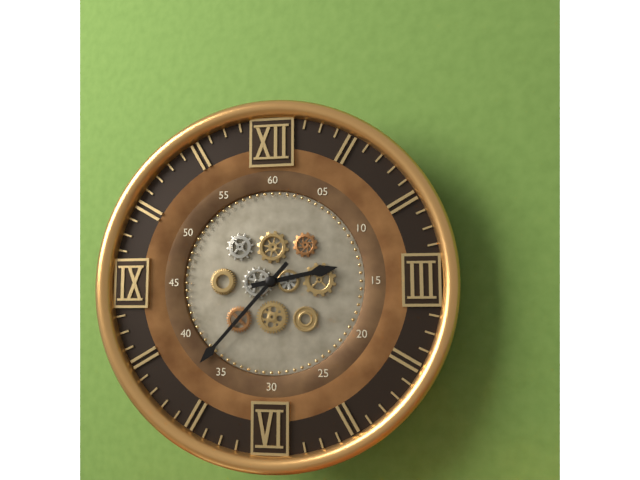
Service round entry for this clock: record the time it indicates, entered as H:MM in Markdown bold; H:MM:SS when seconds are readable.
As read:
**2:37**
